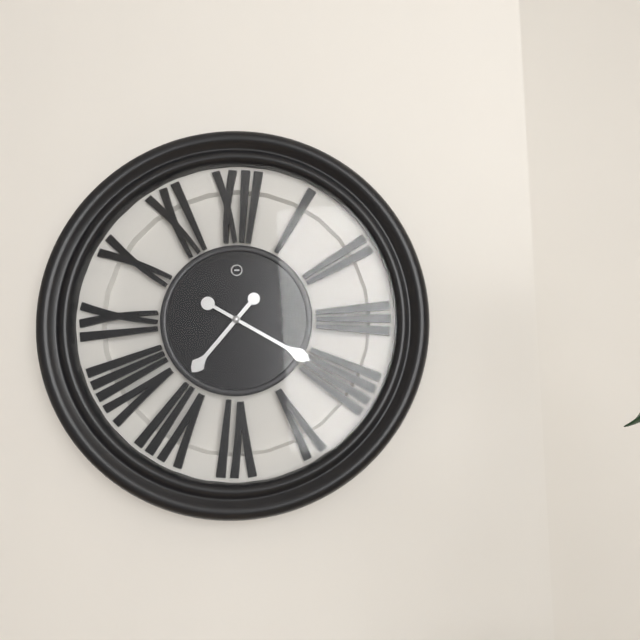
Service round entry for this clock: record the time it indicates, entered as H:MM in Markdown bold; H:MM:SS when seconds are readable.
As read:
**7:20**
